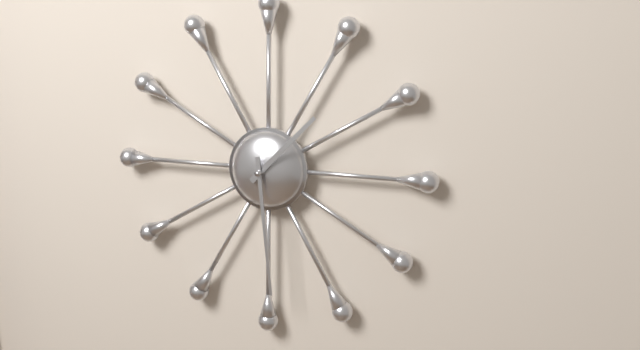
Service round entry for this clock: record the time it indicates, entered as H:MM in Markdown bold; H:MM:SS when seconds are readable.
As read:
**1:29**
